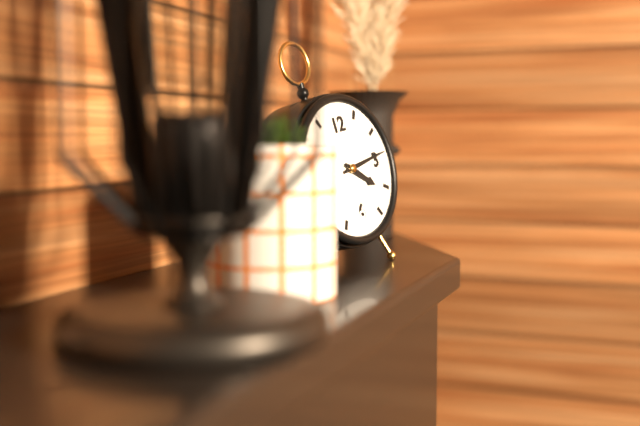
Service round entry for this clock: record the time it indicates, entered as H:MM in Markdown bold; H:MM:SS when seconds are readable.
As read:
**4:14**
